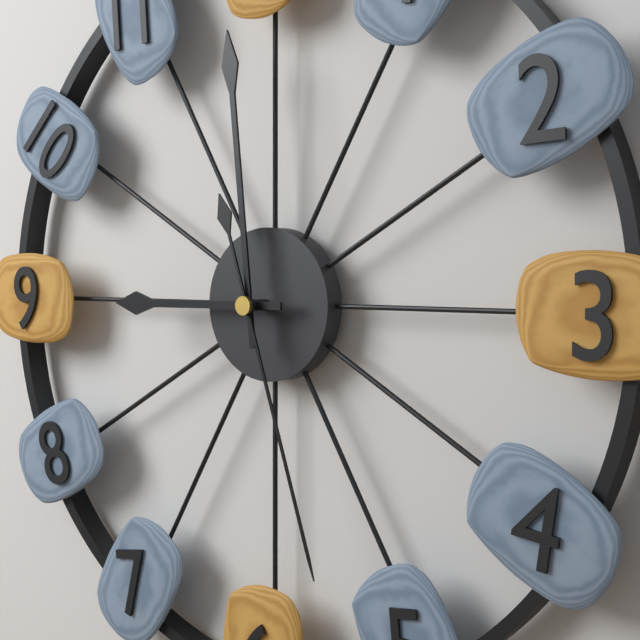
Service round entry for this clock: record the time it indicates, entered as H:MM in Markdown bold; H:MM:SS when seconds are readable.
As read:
**8:59:27**
